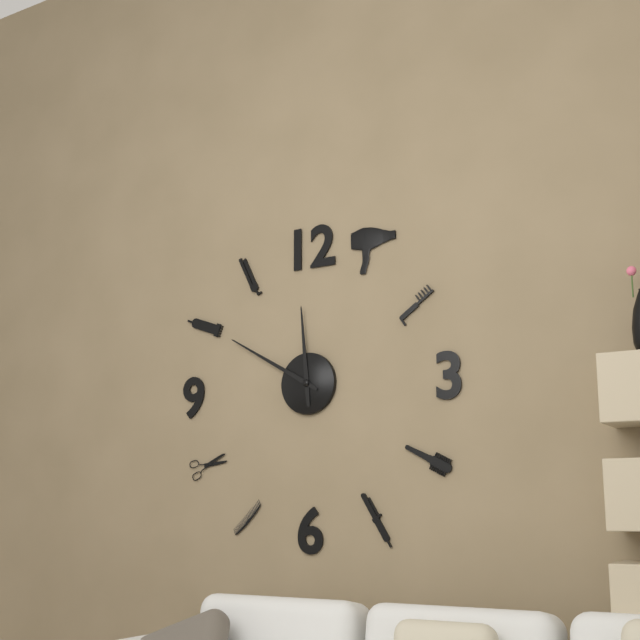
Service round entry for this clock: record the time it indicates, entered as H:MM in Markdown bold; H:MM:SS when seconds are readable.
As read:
**11:50**
